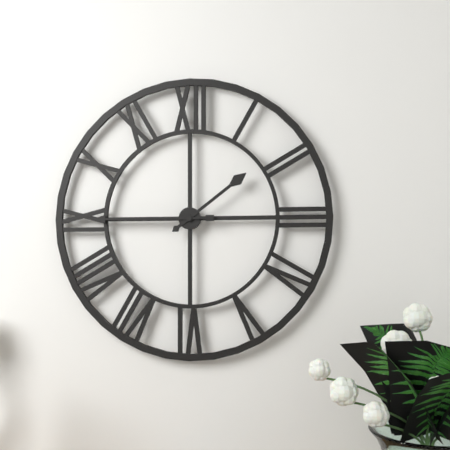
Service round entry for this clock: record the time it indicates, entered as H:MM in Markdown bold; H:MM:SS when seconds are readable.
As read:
**1:45**
